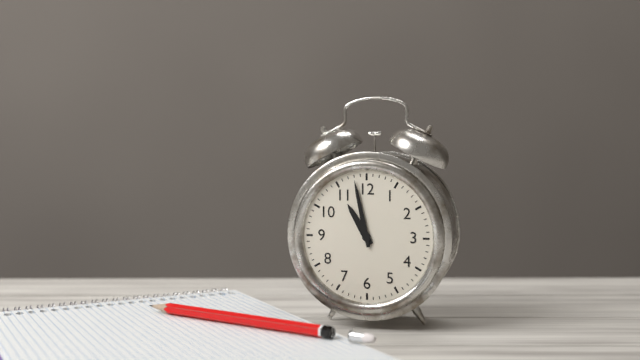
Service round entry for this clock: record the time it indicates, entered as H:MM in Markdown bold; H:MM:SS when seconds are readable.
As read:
**10:58**
